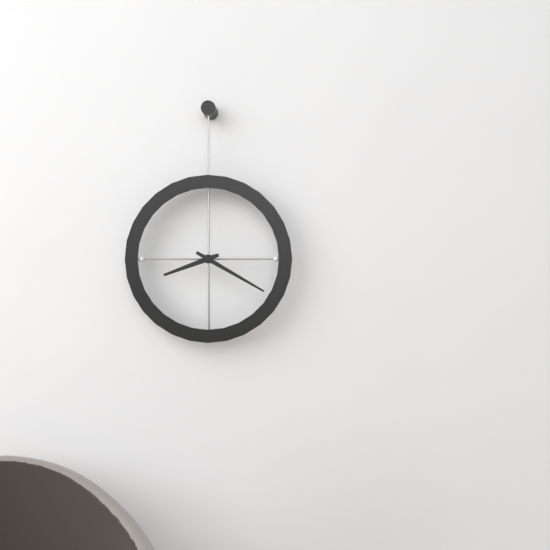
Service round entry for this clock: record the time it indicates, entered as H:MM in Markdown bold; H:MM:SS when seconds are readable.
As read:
**8:20**
